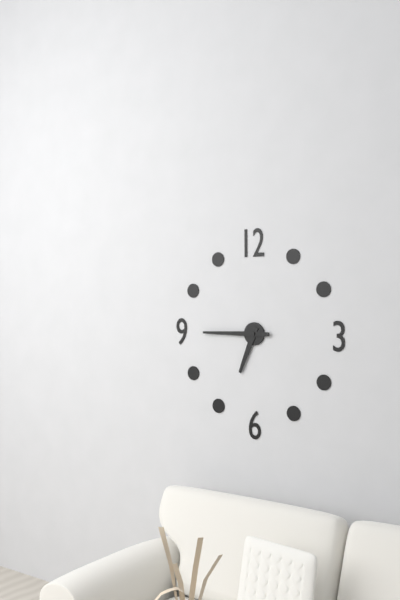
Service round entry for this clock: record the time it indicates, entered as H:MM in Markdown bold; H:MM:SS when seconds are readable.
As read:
**6:45**
